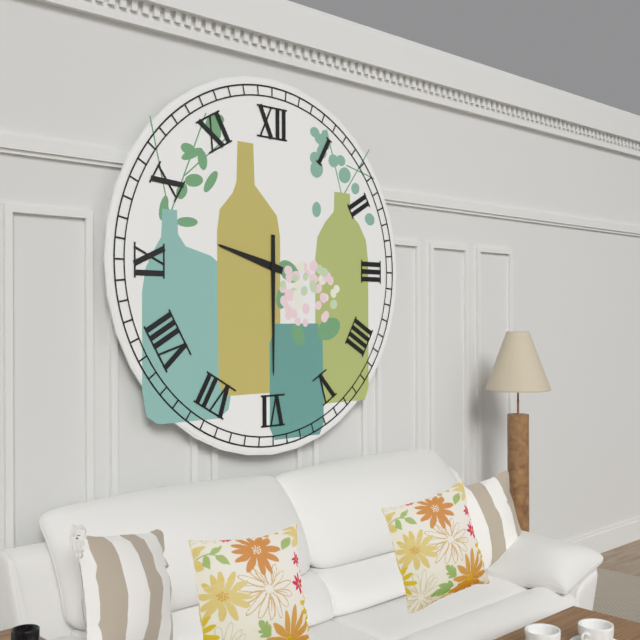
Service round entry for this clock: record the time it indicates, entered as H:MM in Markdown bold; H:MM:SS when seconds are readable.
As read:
**9:30**
